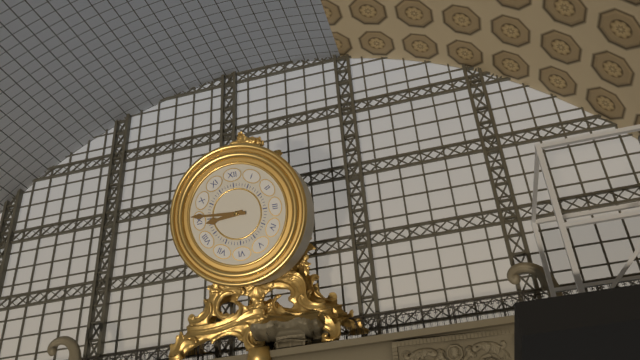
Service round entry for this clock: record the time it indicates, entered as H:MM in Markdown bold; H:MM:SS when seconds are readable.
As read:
**8:46**
